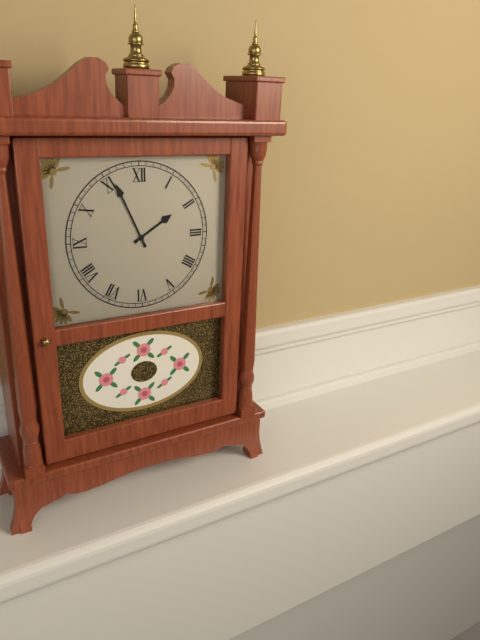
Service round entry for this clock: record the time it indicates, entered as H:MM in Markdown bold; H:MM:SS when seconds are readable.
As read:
**1:56**
